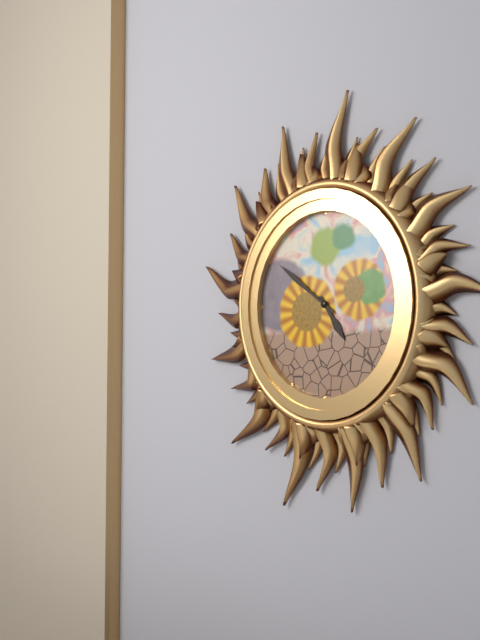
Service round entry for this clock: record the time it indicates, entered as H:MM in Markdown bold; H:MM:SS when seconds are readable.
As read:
**4:51**
